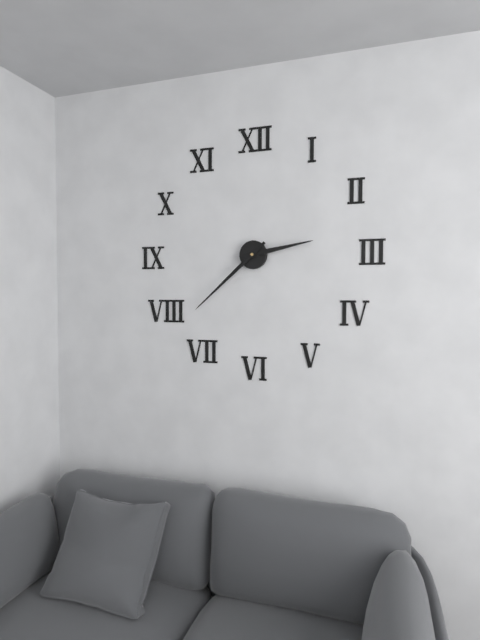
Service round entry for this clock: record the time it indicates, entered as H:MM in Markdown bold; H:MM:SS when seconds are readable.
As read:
**2:38**
